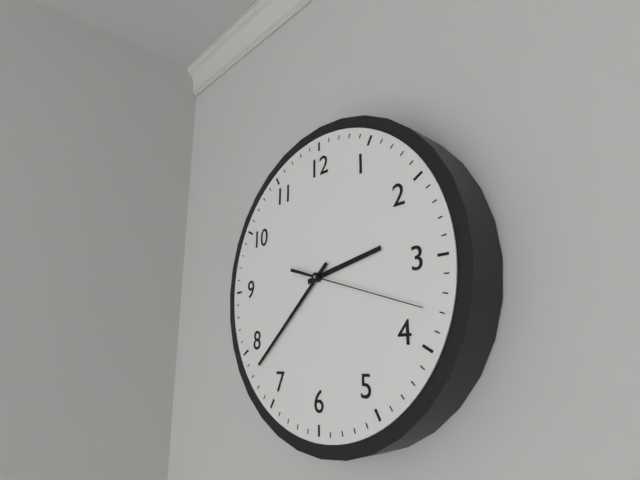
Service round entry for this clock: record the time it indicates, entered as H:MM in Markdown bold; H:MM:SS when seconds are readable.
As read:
**2:38:18**
